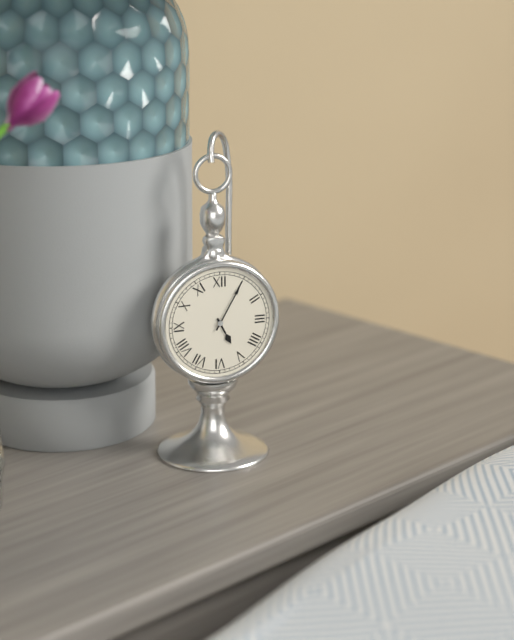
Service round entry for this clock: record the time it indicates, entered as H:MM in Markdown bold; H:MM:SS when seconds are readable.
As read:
**5:05**
